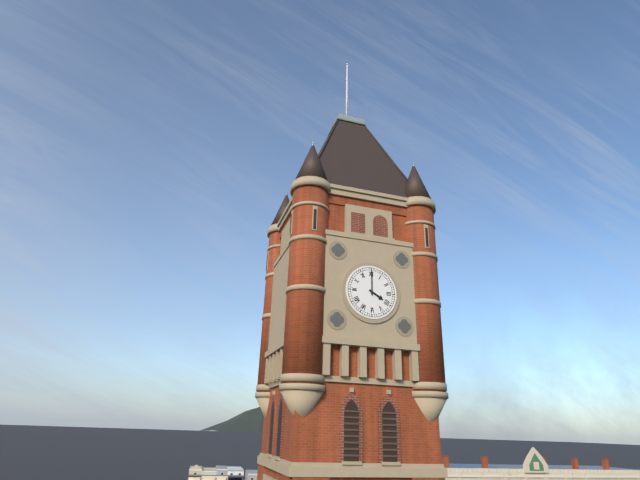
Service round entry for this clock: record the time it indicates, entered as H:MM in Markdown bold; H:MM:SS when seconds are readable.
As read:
**4:00**
